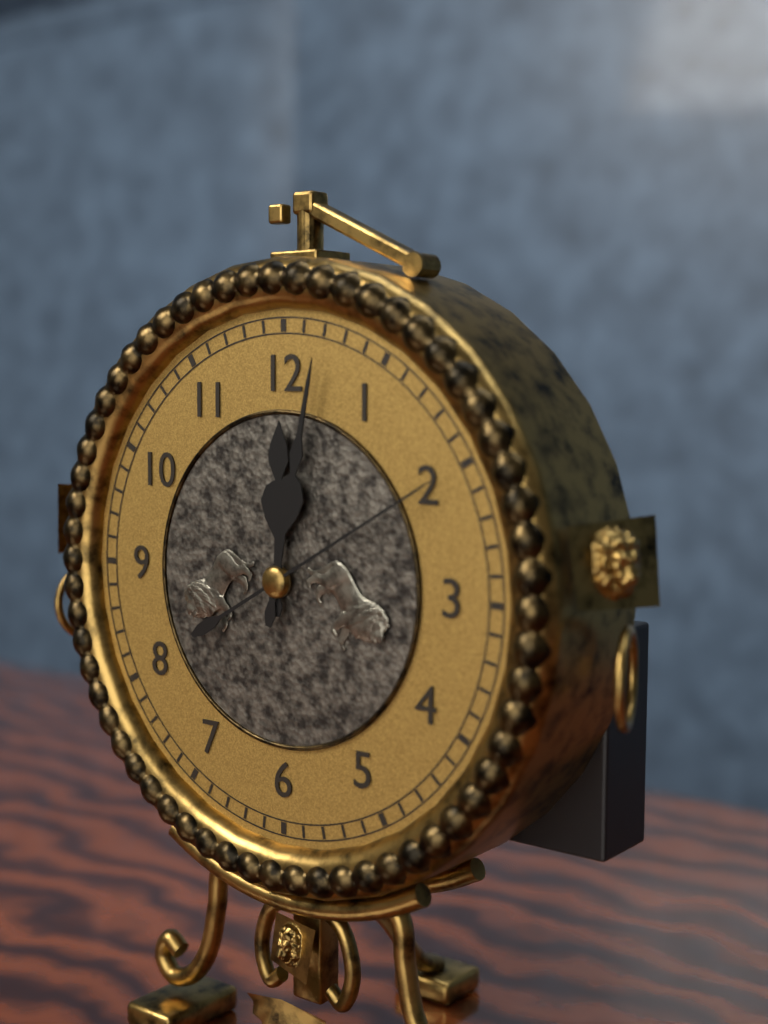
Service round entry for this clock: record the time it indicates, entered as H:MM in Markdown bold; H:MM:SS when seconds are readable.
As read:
**12:02:10**
